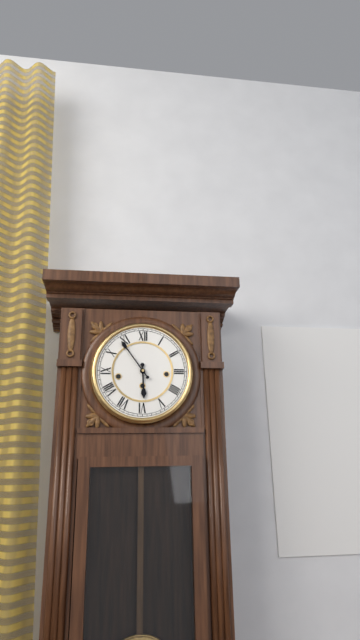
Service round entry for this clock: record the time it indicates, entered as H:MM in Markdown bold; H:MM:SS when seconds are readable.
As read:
**5:54**
